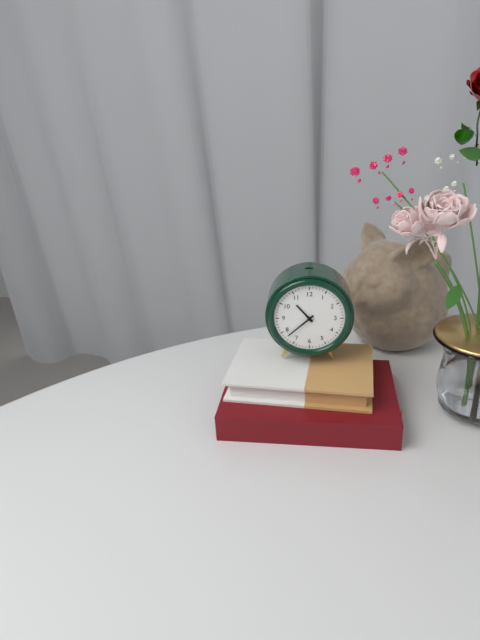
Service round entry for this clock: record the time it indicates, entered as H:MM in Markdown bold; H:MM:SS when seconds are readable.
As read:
**10:38**
